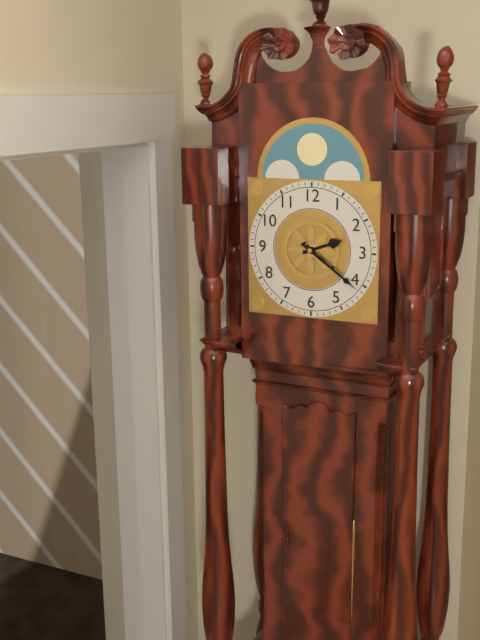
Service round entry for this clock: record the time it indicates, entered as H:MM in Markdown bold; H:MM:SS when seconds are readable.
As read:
**2:21**
